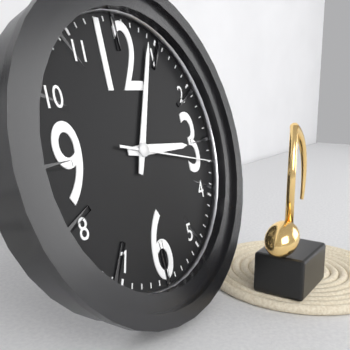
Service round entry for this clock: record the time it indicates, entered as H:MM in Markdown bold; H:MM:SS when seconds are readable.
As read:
**3:04:17**
